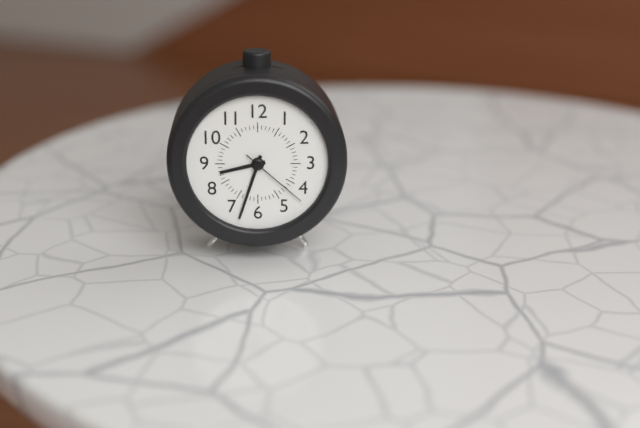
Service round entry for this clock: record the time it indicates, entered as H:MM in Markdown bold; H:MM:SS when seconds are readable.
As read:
**8:33:22**
